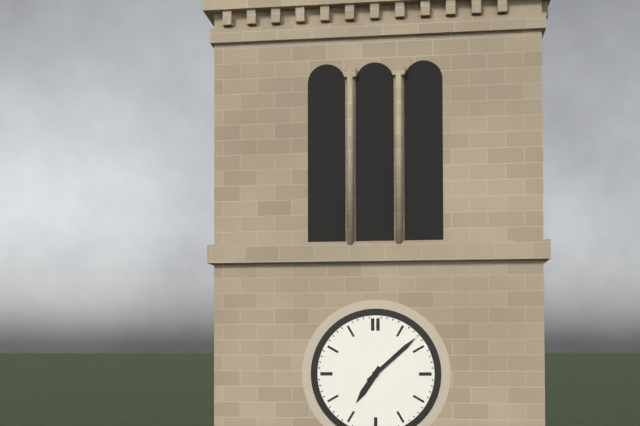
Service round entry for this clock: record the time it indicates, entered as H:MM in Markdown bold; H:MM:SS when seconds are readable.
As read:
**7:08**
